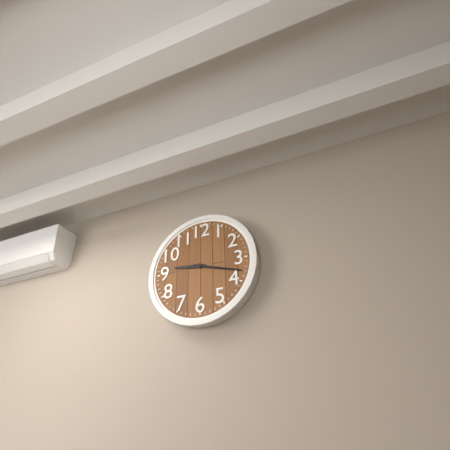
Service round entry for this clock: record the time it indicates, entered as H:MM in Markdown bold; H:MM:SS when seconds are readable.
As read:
**9:18**
